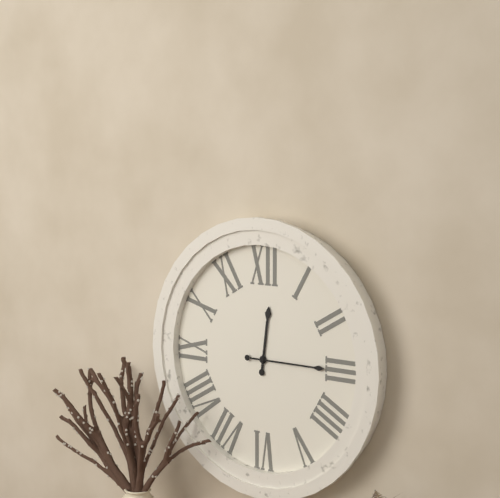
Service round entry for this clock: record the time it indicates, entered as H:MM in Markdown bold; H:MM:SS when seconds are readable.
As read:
**12:15**
